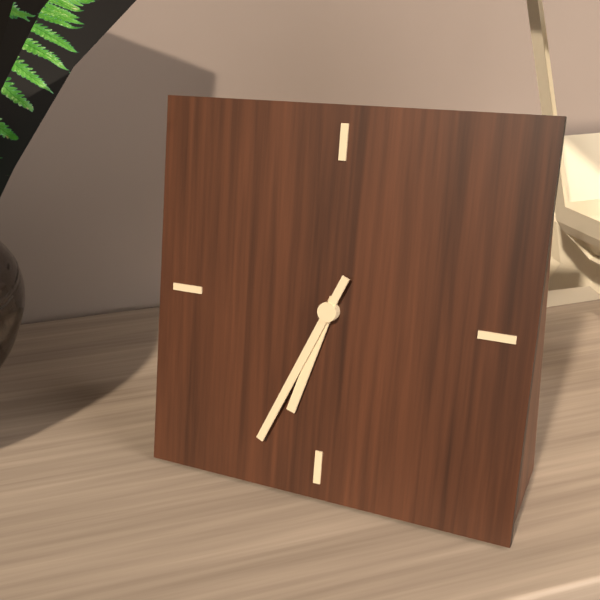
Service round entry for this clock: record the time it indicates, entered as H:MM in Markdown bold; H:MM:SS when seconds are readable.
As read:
**6:34**
